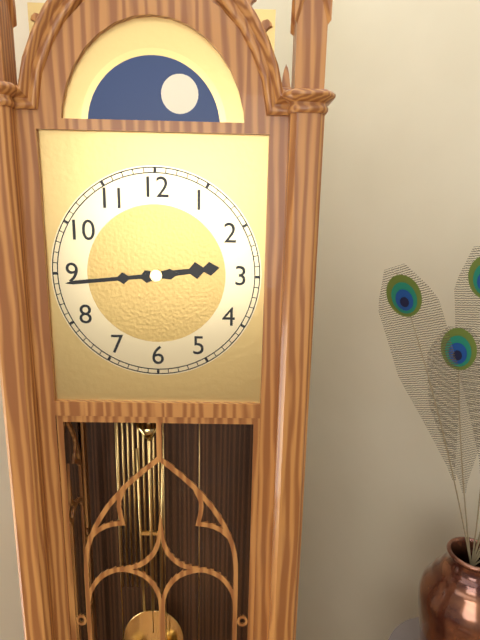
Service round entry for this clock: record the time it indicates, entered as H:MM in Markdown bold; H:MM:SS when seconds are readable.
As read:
**2:44**
